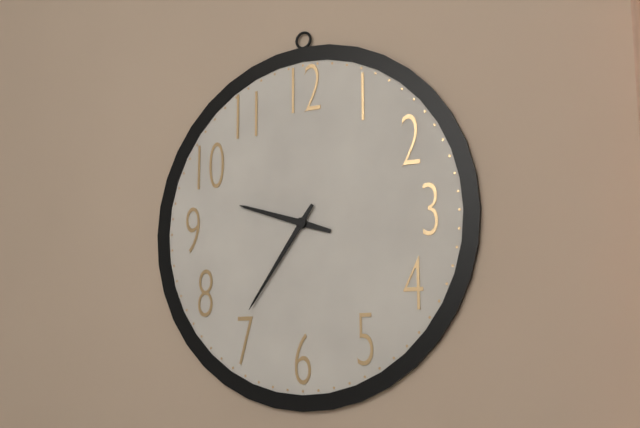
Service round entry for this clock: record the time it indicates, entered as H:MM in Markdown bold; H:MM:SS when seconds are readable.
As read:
**9:36**
